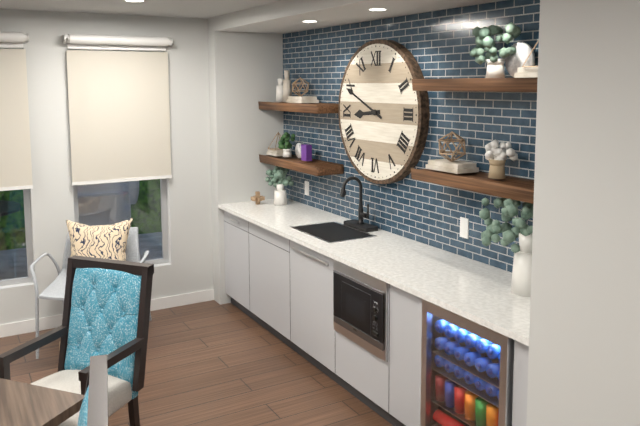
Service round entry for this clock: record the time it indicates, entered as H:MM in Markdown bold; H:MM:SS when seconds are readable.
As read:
**8:49**
